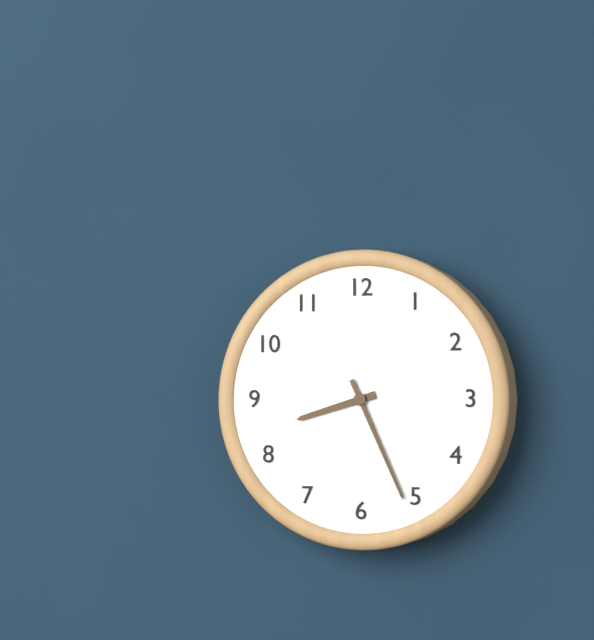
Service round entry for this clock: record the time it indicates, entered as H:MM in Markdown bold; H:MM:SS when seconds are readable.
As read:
**8:26**
